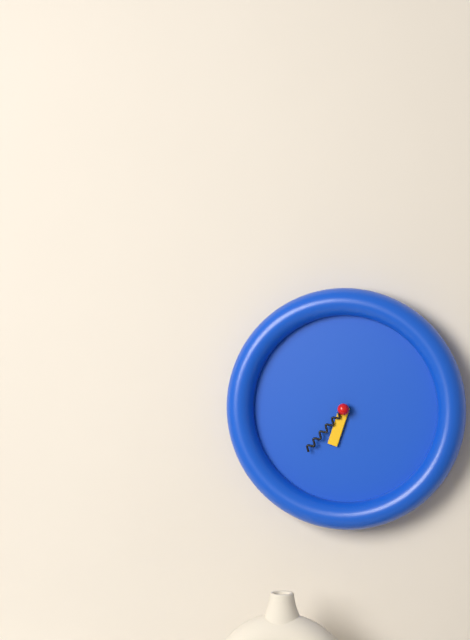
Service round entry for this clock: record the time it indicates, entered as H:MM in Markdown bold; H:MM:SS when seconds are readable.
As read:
**6:37**
